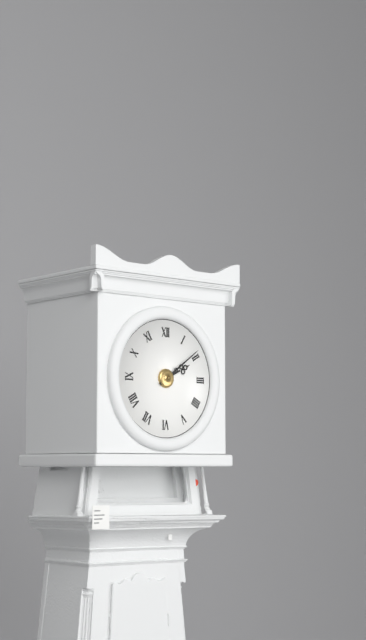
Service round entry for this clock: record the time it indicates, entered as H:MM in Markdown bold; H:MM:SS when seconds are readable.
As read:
**2:09**
